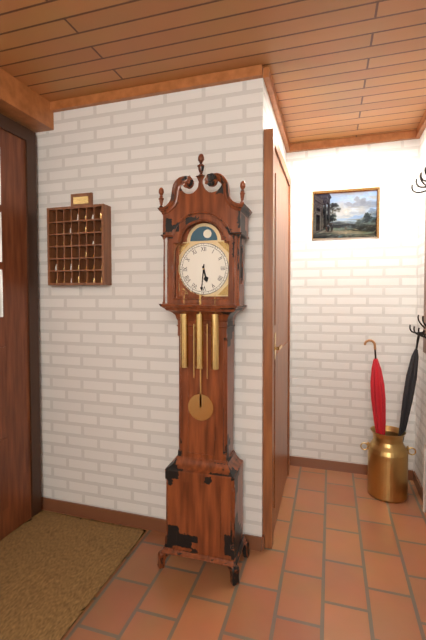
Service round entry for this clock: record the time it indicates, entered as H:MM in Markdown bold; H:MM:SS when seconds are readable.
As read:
**5:31**
